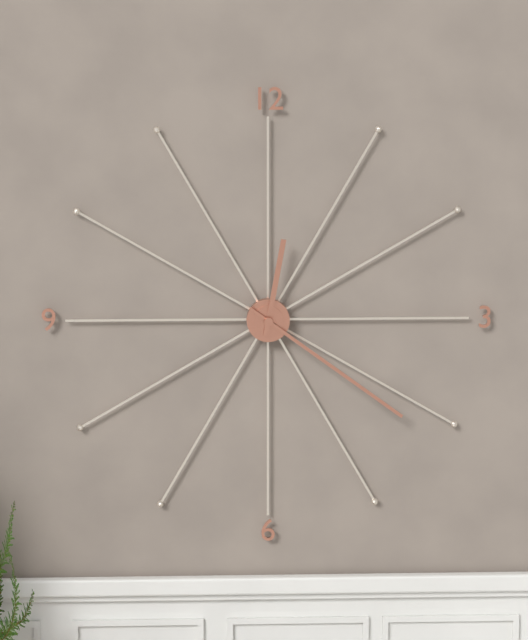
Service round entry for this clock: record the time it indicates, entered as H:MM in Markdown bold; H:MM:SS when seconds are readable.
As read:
**12:21**
